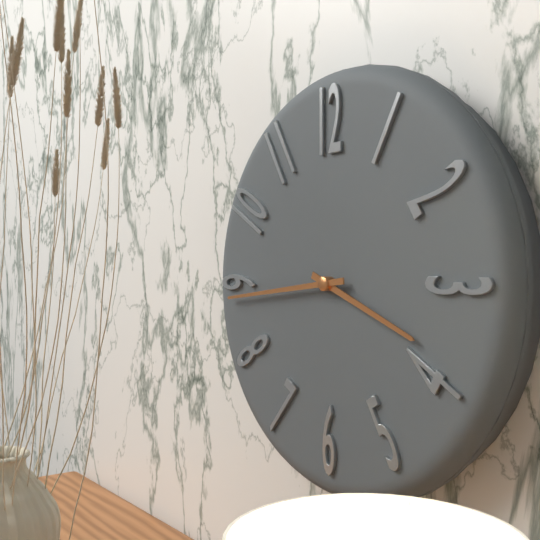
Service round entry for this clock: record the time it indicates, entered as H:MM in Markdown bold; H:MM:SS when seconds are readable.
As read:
**3:44**
